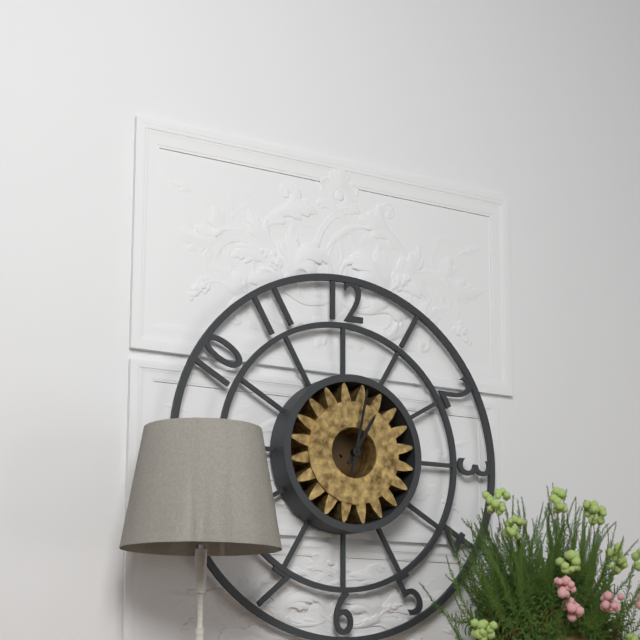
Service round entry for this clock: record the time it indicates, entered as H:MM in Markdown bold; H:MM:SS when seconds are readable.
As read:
**1:02**
